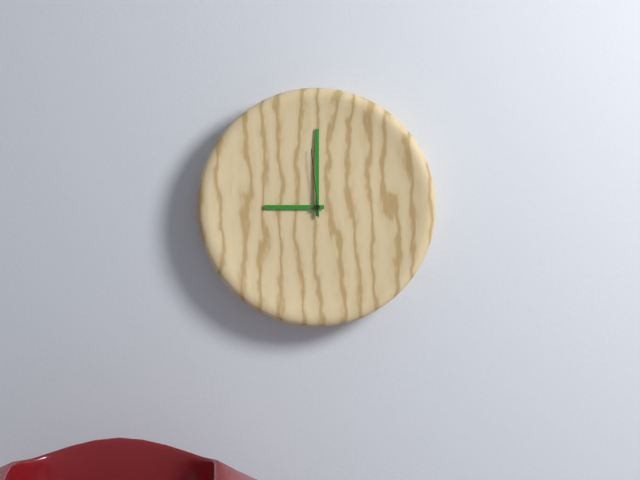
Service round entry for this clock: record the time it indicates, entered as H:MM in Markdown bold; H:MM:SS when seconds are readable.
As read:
**9:00:59**
